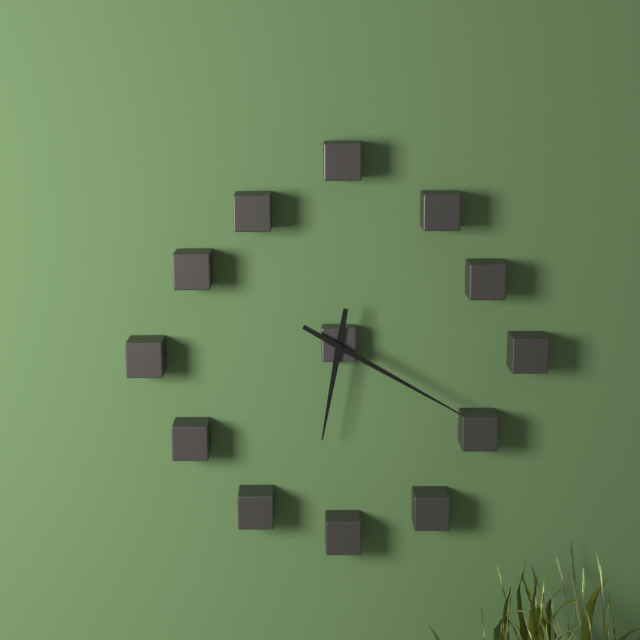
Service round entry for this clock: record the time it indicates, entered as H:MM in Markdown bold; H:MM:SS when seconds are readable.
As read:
**6:20**
